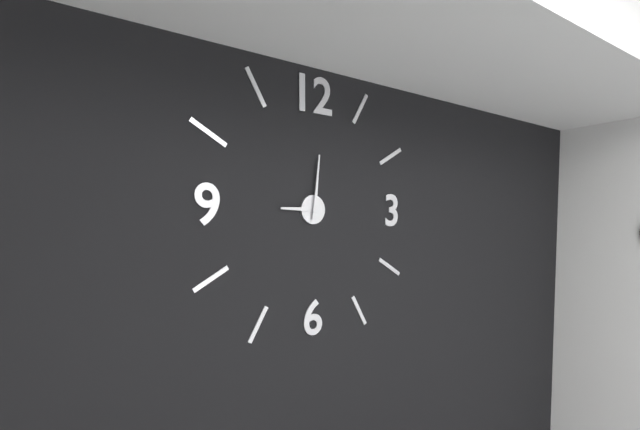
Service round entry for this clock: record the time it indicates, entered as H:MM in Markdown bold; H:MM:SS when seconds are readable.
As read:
**9:01**
